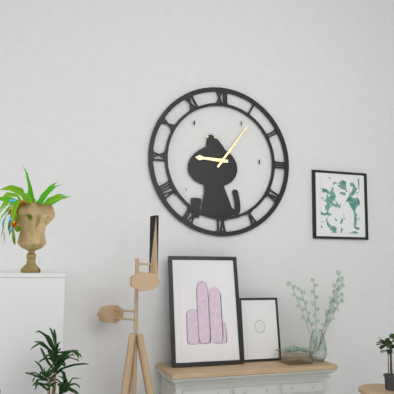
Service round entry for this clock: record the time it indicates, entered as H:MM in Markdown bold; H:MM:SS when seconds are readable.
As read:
**9:06**
